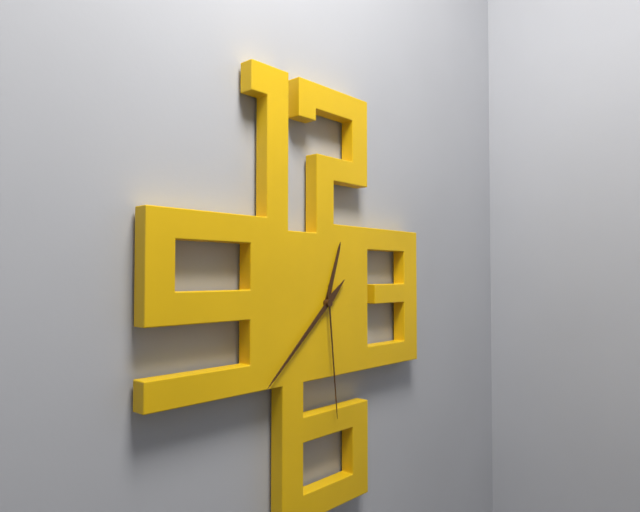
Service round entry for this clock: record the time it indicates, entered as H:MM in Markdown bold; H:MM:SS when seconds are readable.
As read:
**12:38:29**
